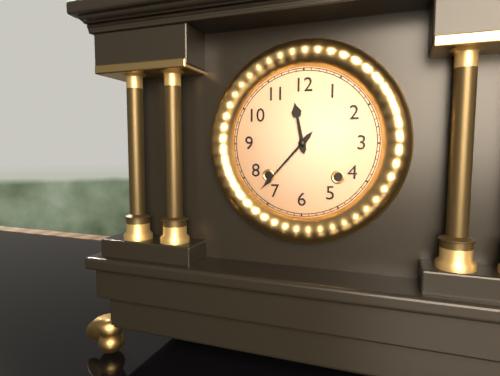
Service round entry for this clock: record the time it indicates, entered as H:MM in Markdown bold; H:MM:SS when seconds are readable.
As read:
**11:37**
